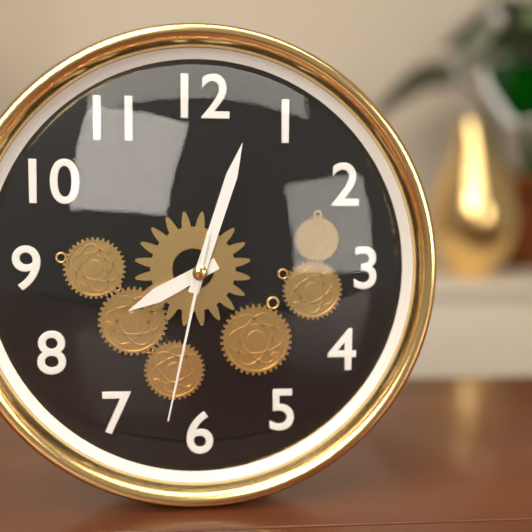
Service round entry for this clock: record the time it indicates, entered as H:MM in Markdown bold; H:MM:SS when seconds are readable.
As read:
**8:03:32**
